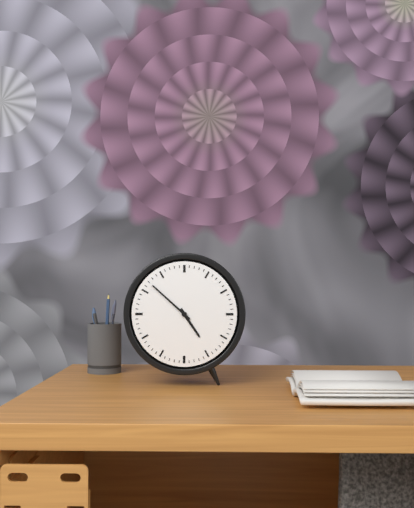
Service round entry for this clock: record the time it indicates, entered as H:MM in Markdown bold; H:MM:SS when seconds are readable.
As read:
**4:52**
